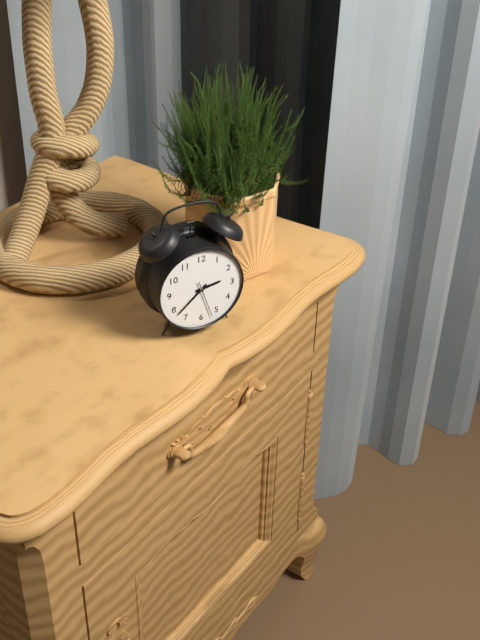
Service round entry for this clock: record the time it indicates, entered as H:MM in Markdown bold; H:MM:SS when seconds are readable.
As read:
**2:38**
